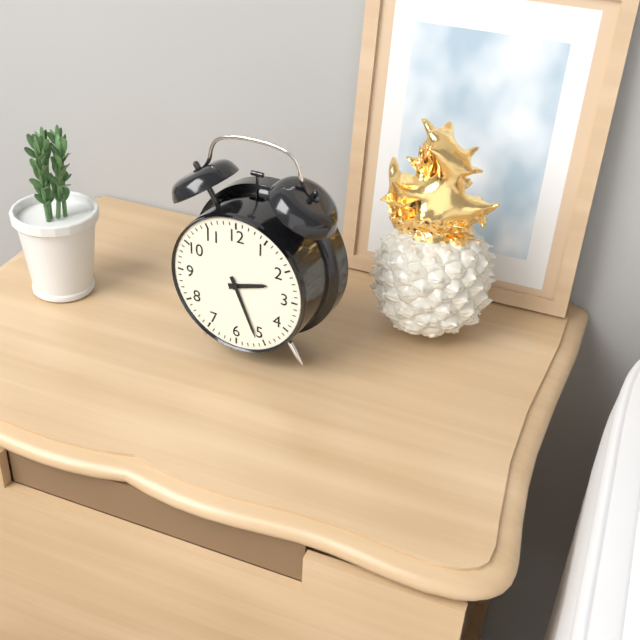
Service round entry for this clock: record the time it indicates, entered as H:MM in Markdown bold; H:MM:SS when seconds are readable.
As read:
**2:26**
